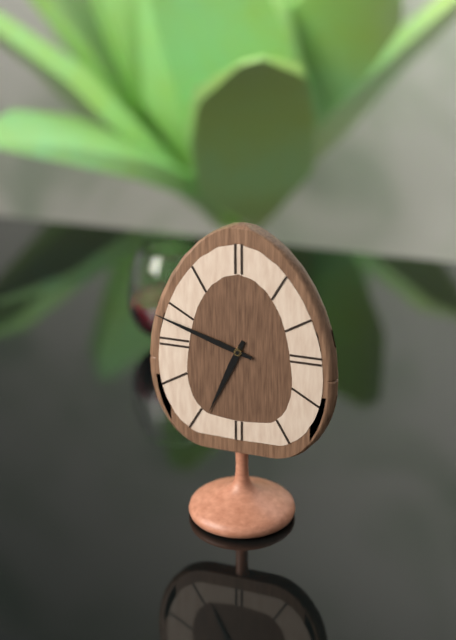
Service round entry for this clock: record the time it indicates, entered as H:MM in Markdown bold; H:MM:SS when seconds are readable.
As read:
**6:48**
